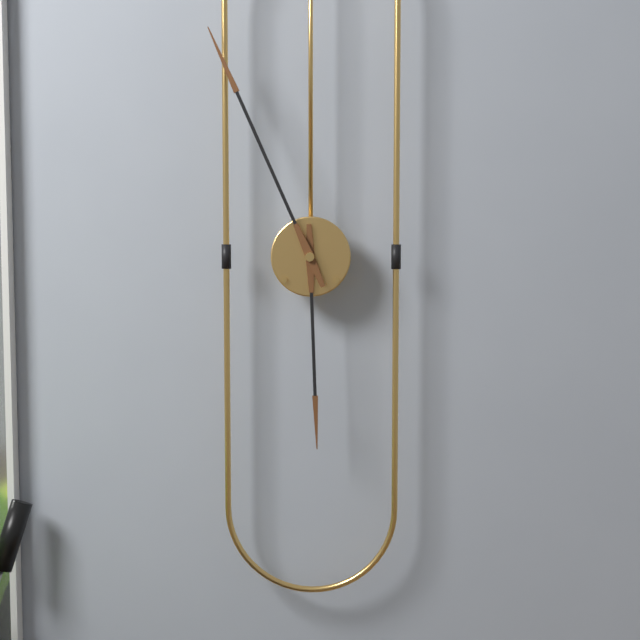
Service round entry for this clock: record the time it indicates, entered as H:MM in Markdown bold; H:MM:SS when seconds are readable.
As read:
**5:56**
